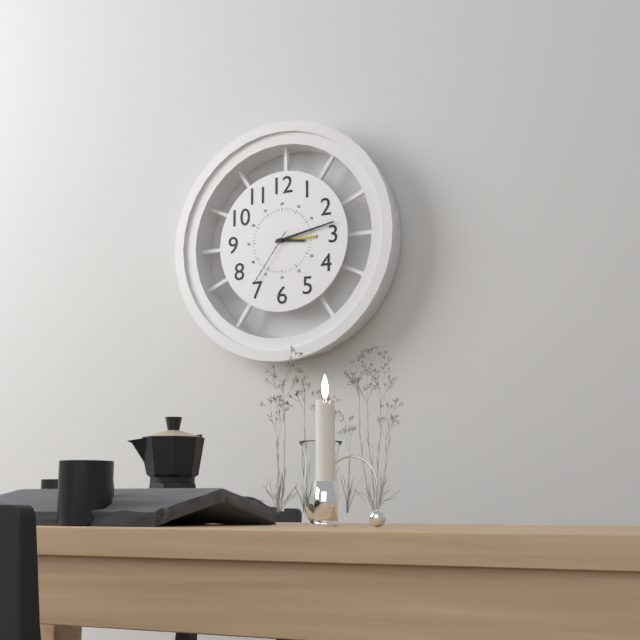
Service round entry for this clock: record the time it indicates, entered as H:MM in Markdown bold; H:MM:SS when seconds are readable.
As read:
**3:13:36**
